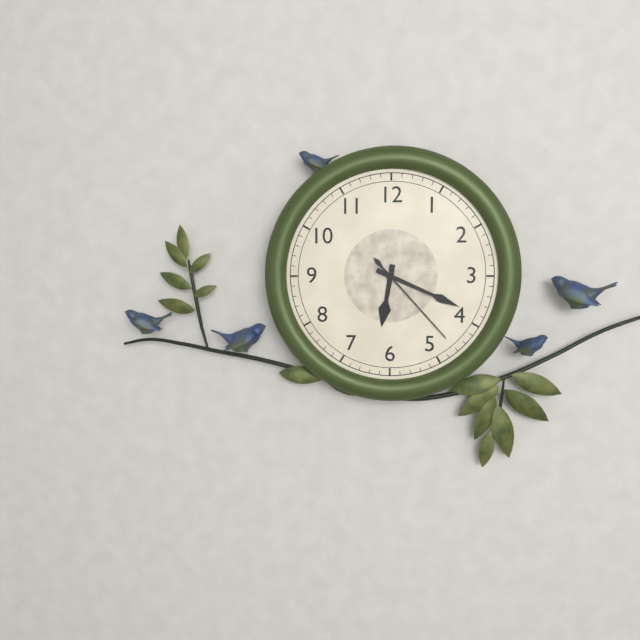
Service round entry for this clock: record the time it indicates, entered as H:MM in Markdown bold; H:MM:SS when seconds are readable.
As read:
**6:19:23**
